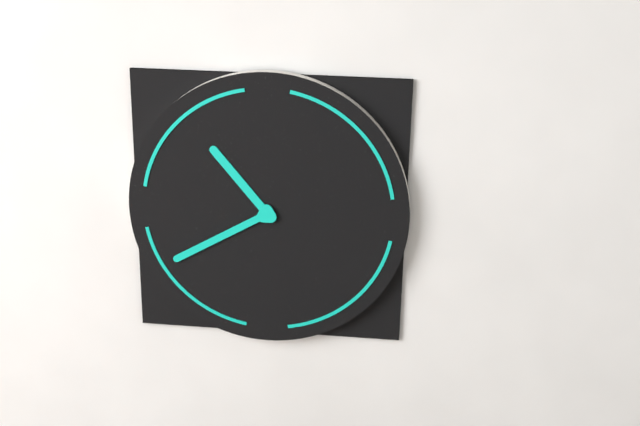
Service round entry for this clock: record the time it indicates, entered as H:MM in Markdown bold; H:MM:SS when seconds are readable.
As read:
**10:40**
